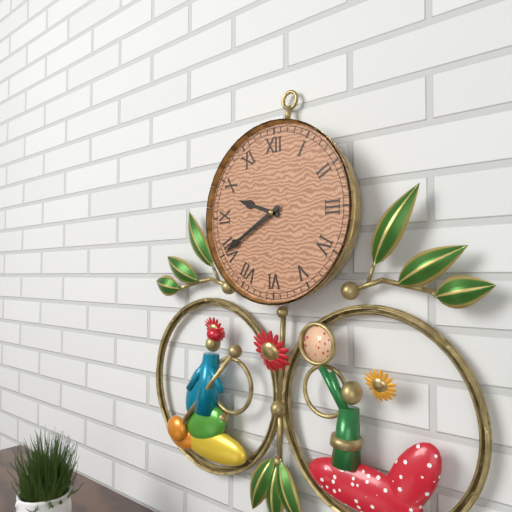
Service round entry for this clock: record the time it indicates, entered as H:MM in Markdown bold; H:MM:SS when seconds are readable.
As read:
**9:40**
